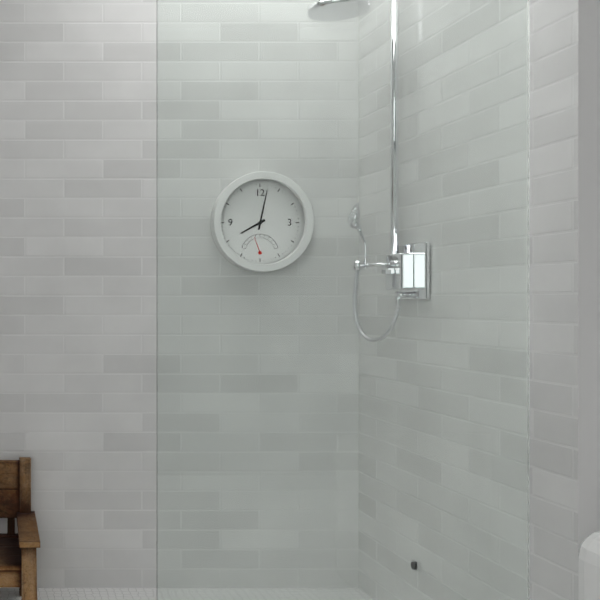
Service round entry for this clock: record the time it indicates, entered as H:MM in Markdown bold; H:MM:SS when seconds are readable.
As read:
**8:02**
